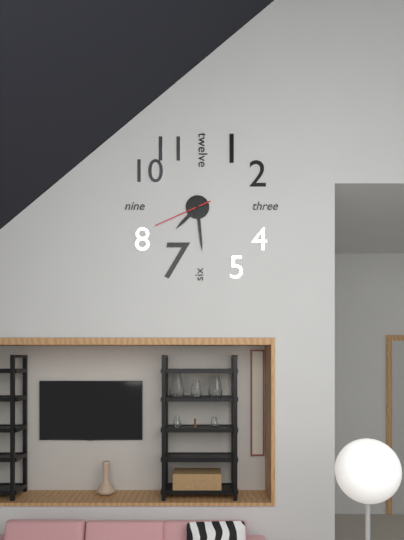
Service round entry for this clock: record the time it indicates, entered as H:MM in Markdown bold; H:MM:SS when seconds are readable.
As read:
**7:29:41**
